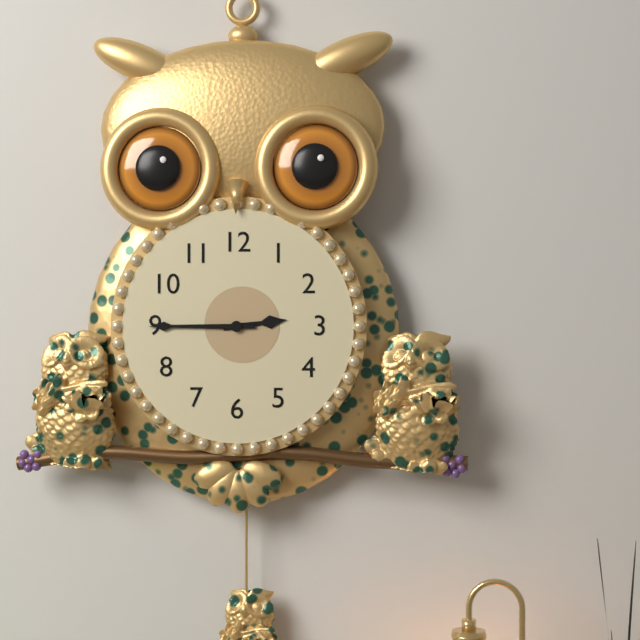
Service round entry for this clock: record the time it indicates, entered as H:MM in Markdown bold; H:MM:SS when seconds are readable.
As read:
**2:45**
